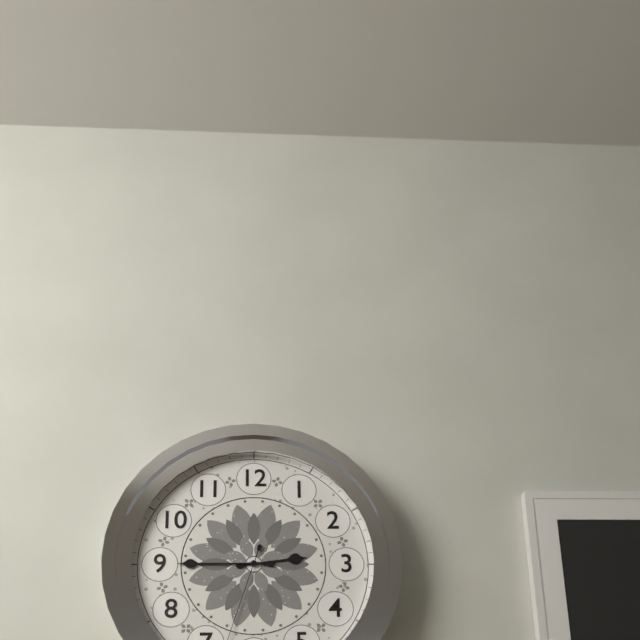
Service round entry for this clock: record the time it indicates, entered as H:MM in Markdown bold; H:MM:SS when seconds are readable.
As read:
**2:45**
